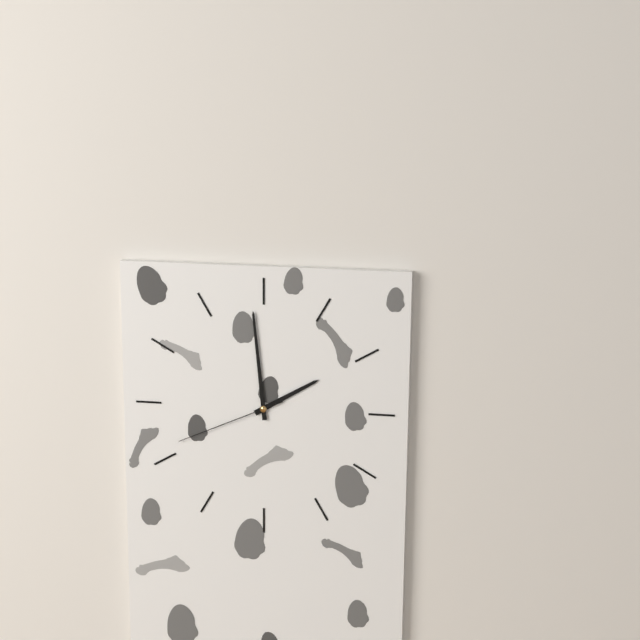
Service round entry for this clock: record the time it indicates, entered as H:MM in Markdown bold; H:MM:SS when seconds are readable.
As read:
**1:59:41**
